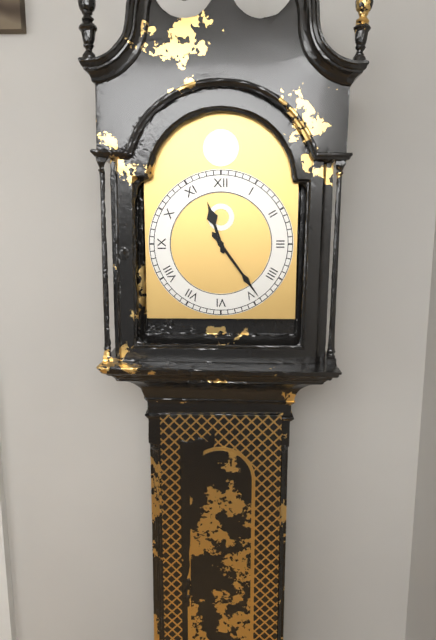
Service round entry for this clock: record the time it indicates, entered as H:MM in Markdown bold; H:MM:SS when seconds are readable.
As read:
**11:24**
